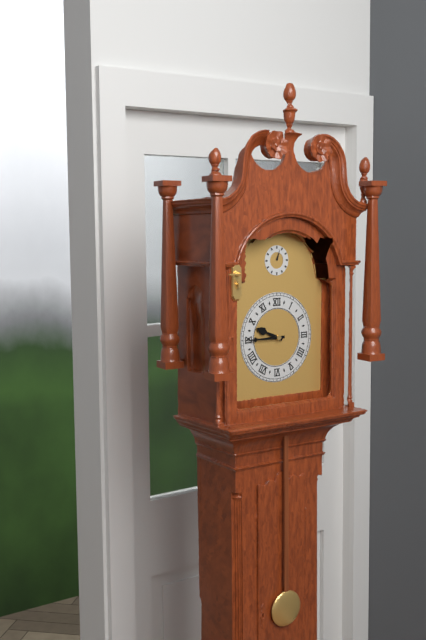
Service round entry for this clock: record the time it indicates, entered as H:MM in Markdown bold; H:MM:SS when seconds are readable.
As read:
**9:45**
